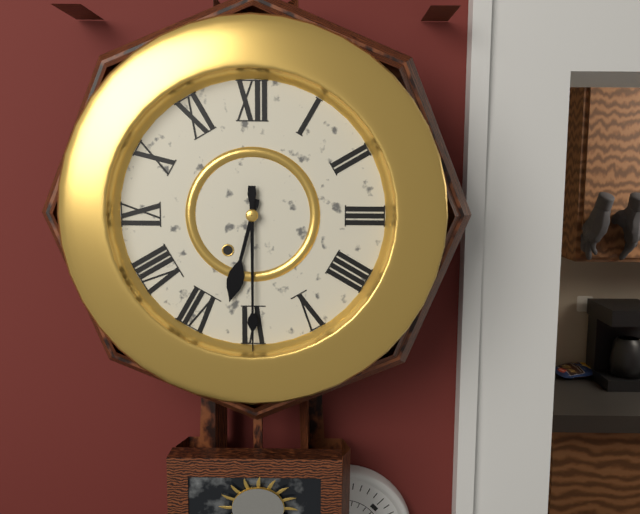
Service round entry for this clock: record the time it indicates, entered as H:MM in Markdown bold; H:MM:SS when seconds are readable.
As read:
**6:30**
